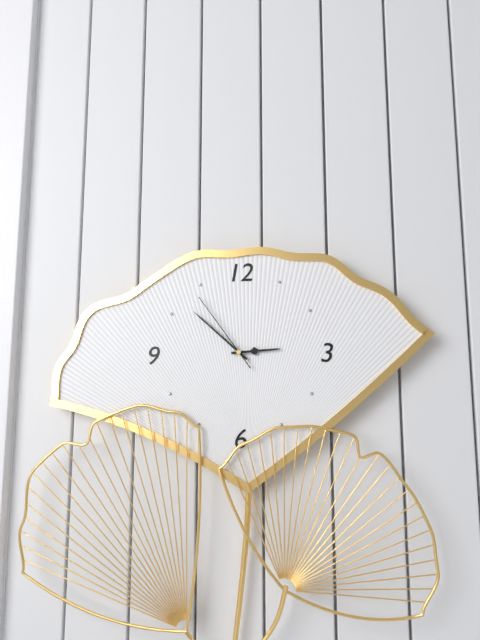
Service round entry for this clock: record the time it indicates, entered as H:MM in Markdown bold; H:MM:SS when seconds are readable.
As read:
**2:52:54**
